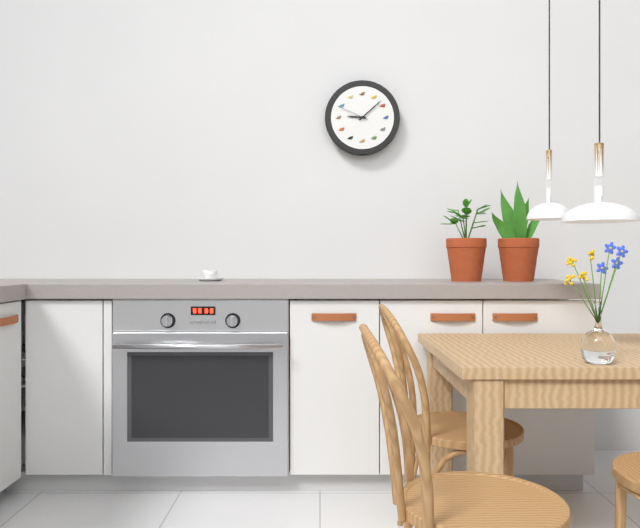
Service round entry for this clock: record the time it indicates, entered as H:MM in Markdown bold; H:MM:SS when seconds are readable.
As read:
**9:08**
